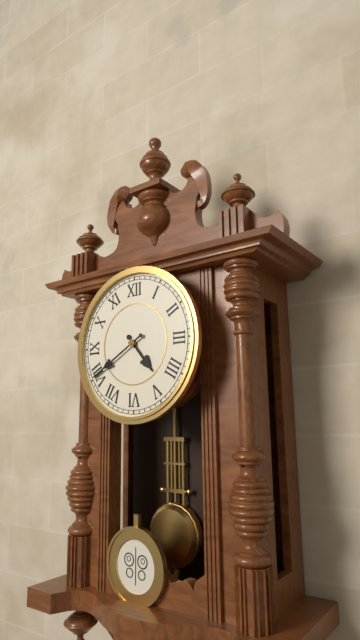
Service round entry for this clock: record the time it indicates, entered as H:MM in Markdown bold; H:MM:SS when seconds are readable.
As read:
**4:40**
